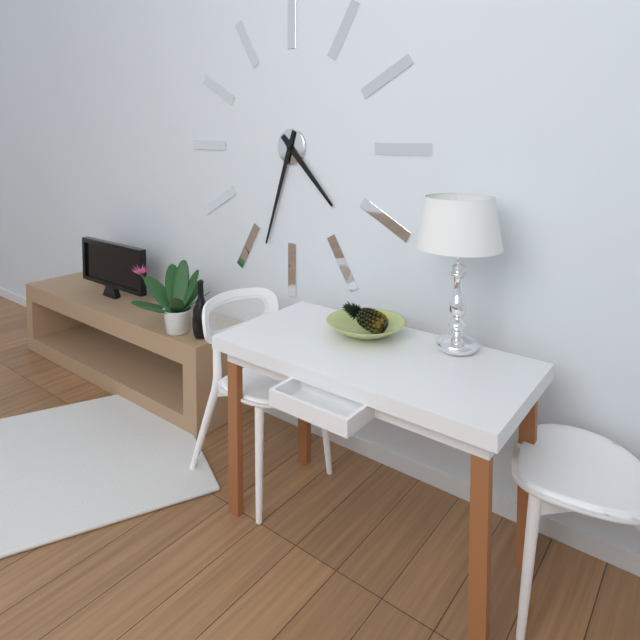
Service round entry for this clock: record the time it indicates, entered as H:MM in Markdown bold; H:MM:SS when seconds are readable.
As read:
**4:33**
